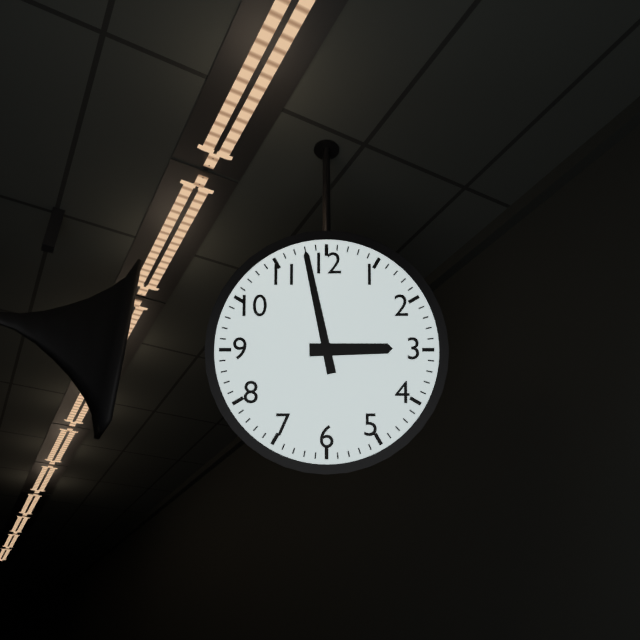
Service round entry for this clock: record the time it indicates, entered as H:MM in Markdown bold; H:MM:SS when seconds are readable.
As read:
**2:58**
